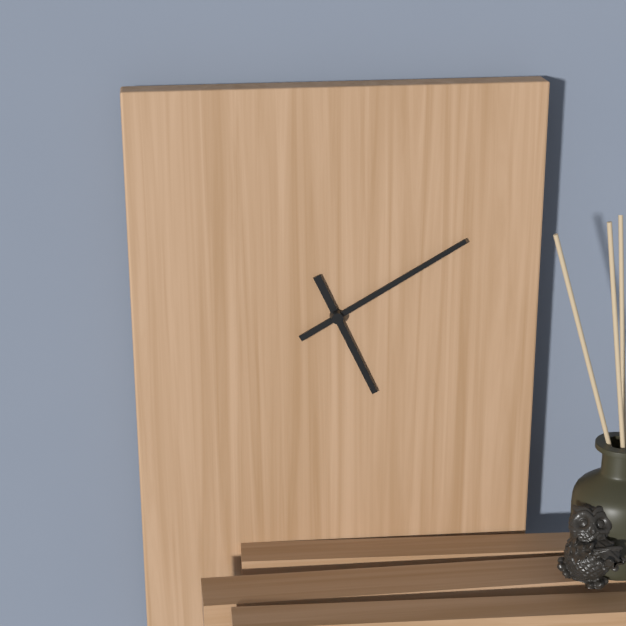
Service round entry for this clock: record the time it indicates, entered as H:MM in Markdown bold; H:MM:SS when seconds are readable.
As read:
**5:10**
